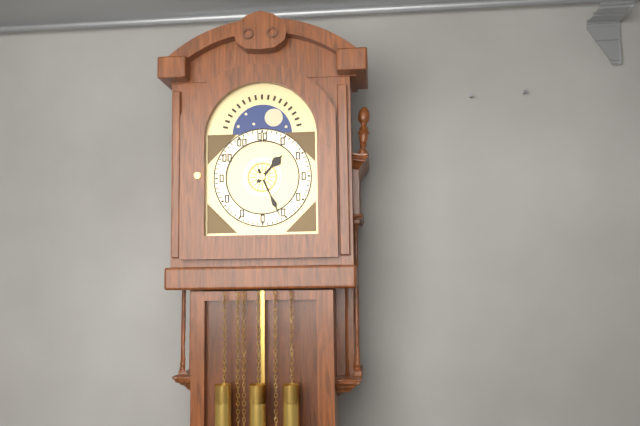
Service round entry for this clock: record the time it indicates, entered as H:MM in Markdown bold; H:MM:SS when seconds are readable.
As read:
**1:26**
